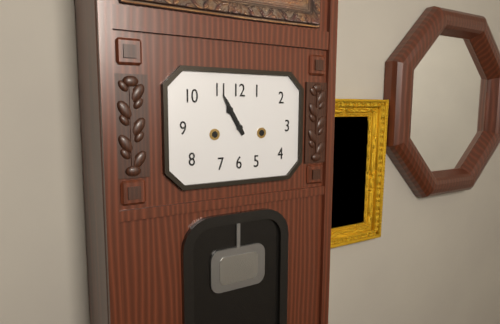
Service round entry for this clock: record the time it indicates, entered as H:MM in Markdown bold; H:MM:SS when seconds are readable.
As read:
**10:55**
